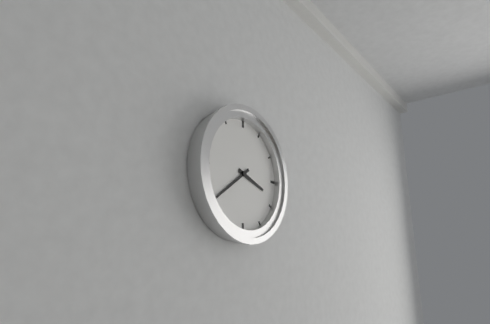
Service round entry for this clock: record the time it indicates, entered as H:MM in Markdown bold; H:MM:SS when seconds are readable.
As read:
**3:39**
